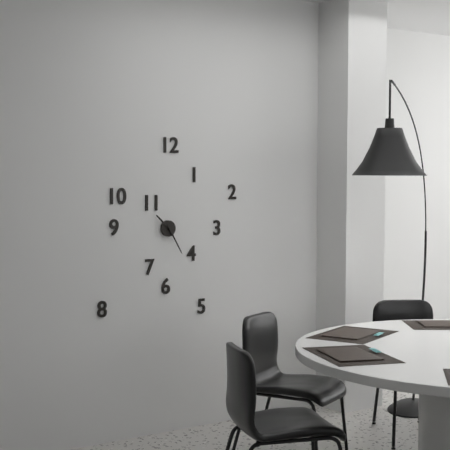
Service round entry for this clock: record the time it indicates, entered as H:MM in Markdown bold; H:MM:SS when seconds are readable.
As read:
**10:25**
